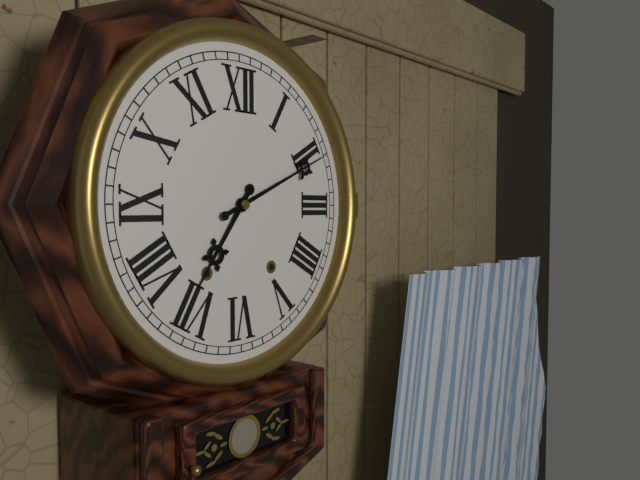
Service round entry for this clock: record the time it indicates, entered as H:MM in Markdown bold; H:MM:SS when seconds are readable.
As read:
**7:11**
